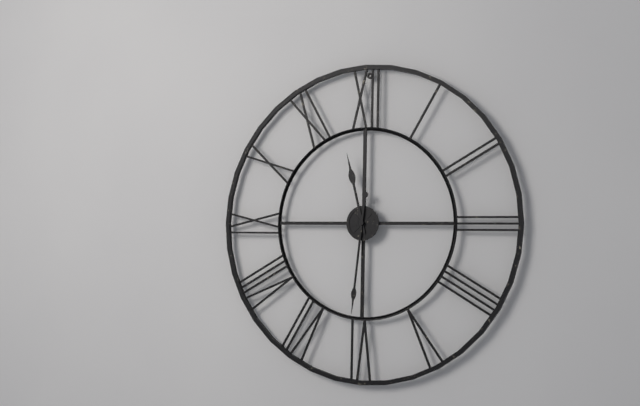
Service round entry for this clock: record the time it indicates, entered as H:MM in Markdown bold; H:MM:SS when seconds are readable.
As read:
**11:31**
